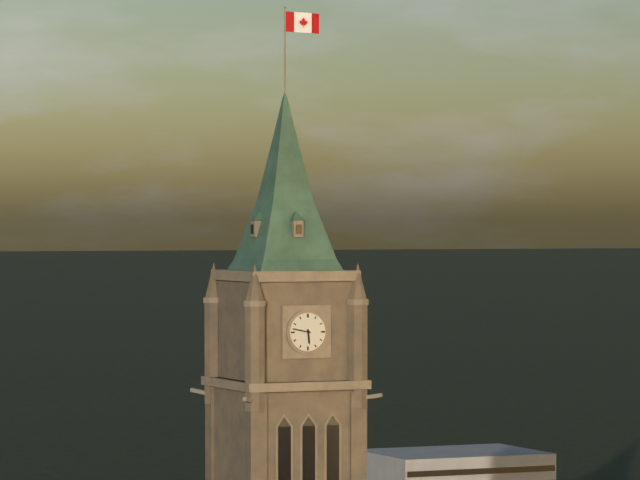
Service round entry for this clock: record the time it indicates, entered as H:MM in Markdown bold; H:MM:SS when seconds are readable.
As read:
**5:47**
